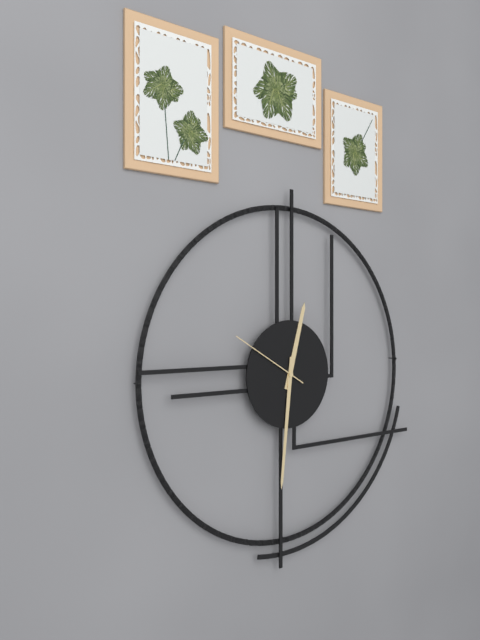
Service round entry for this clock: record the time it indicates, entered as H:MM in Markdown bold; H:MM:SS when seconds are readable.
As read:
**12:31:50**
